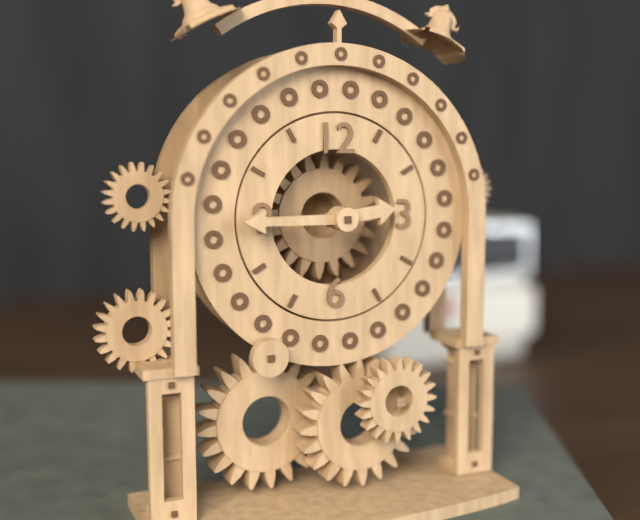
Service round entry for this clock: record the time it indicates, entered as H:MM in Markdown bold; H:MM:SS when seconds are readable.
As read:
**2:45**
